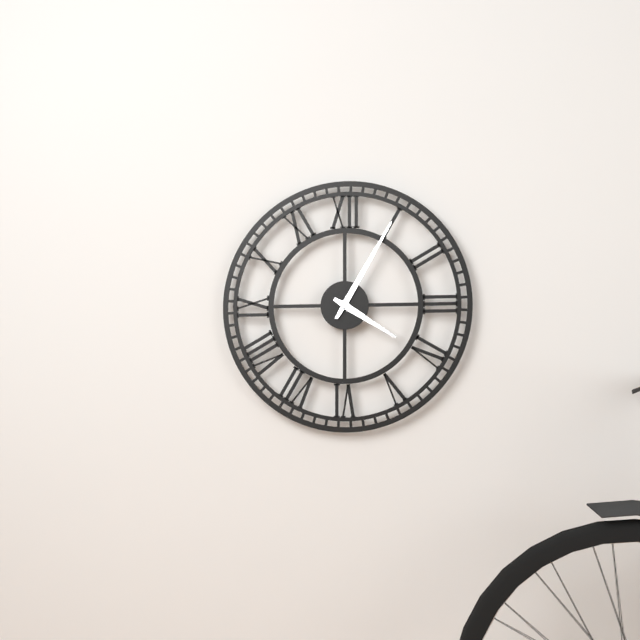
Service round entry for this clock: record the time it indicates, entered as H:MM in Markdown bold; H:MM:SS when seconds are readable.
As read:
**4:05**
